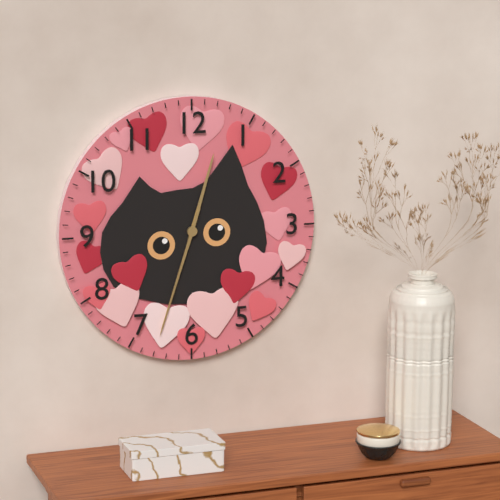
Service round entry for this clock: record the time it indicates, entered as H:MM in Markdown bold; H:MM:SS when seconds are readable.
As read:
**12:33**
